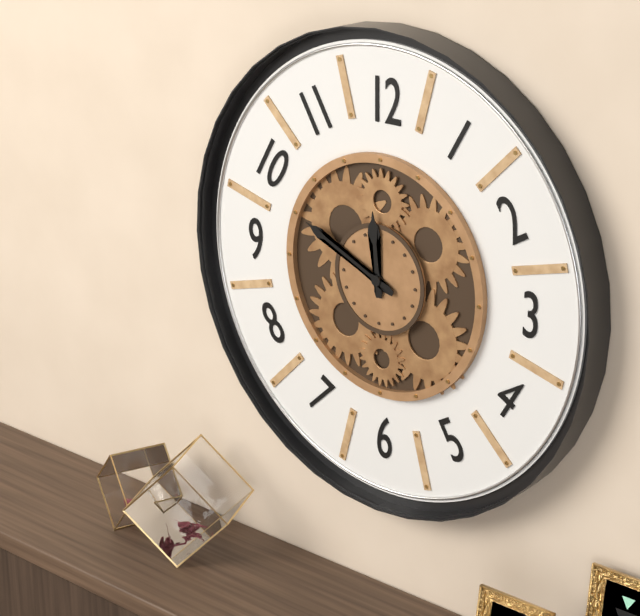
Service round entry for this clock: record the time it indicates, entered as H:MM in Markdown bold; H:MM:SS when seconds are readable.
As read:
**11:49**
